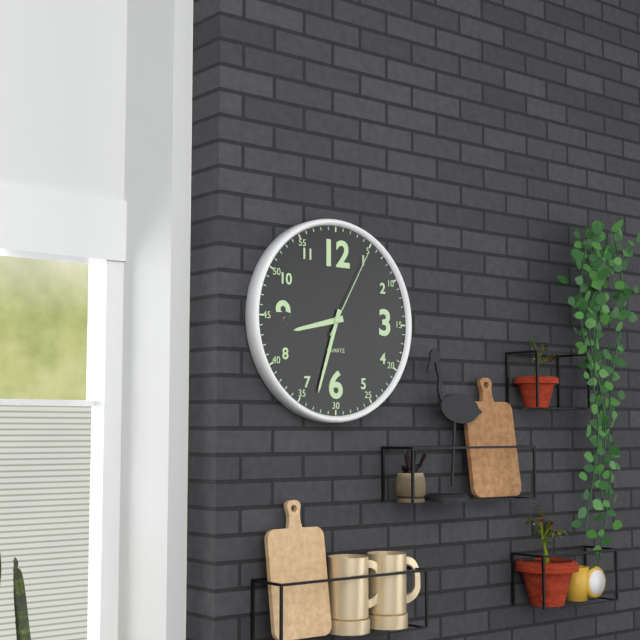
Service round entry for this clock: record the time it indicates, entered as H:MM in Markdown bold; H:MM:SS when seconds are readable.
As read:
**8:33:05**
